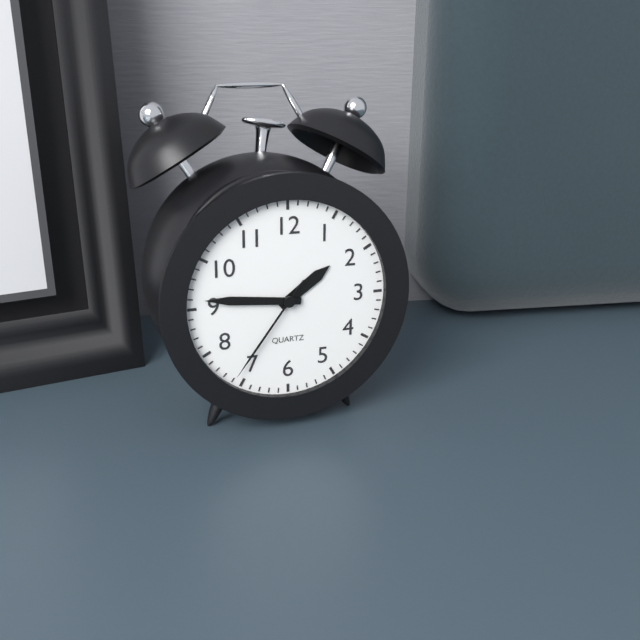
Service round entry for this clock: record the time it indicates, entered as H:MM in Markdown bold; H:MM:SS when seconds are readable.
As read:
**1:46:36**
